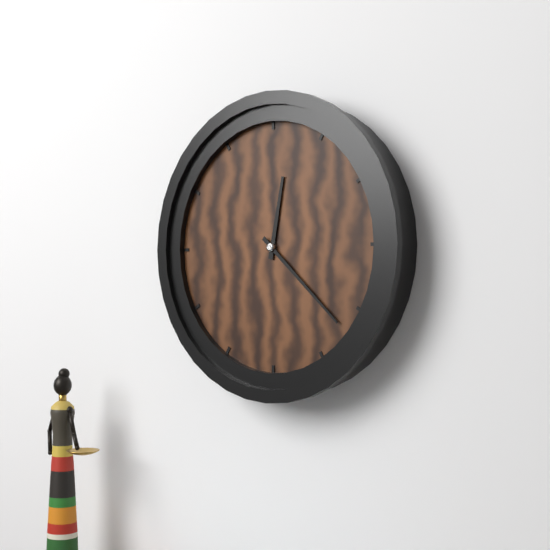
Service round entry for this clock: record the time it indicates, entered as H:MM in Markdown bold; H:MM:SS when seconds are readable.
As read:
**12:22**
